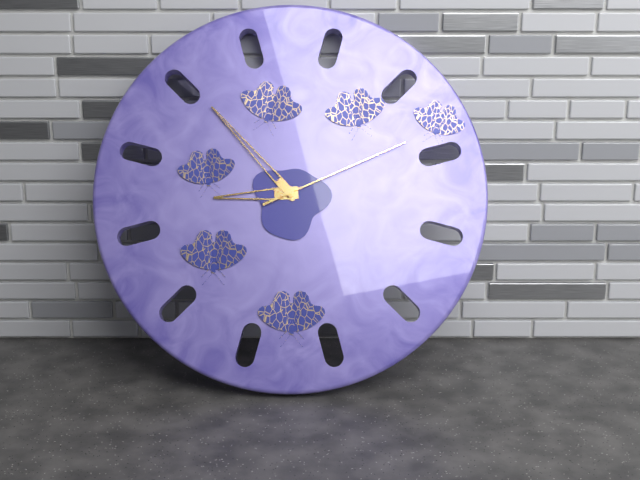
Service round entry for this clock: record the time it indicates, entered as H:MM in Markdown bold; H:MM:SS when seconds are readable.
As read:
**8:53:11**
